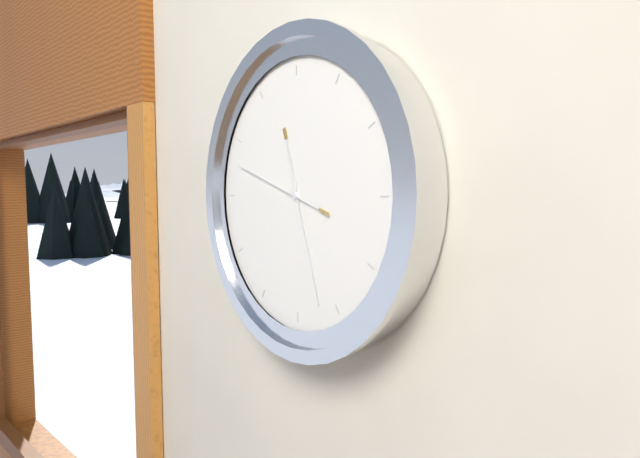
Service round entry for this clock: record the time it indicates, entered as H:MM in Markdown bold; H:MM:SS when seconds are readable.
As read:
**11:27:48**
